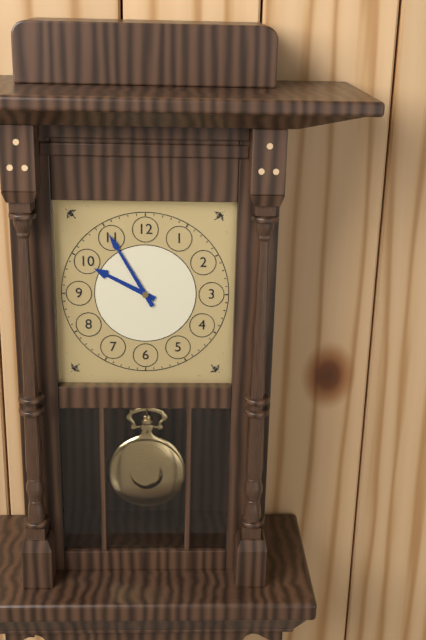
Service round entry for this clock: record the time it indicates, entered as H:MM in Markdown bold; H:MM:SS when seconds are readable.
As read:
**9:55**
